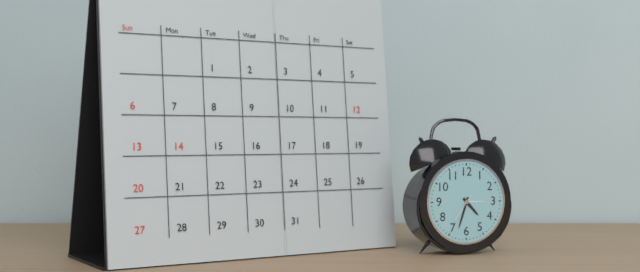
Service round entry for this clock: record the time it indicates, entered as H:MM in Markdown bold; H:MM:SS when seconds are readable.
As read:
**4:33**
